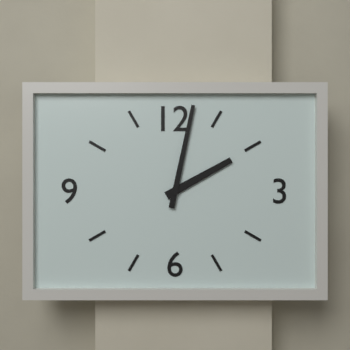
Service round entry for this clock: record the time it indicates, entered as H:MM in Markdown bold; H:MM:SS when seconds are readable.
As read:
**2:02**
